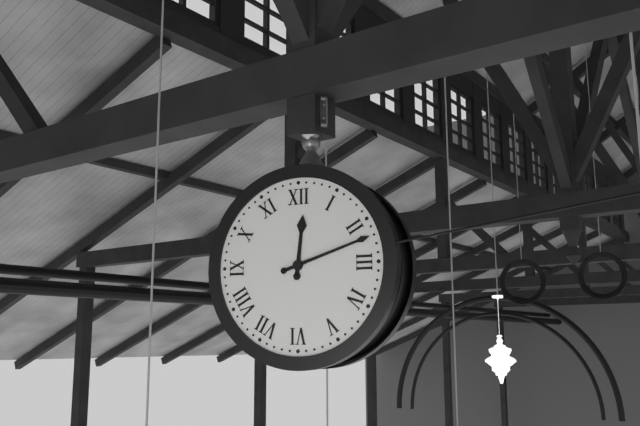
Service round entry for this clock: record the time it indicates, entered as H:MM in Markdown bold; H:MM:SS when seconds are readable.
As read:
**12:12**
